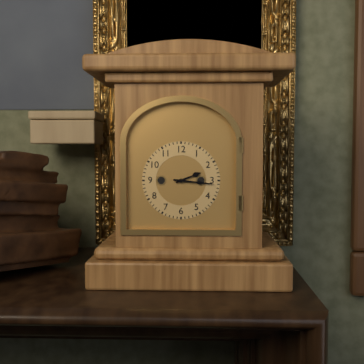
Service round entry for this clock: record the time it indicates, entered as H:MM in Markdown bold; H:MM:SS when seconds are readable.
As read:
**2:16**
